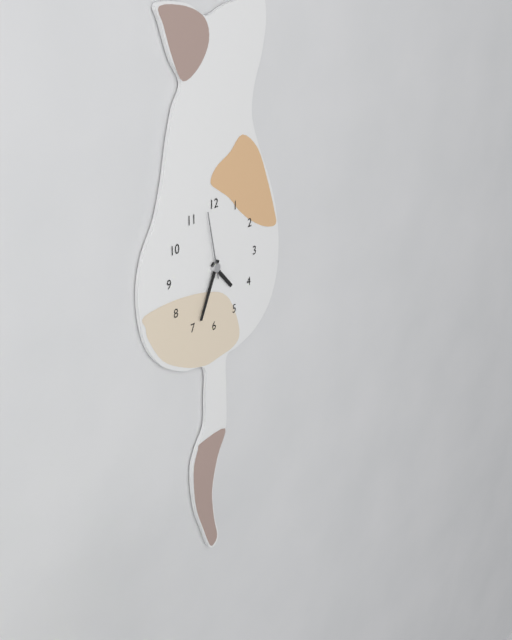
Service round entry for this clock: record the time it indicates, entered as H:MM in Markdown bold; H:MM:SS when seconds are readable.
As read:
**4:34:58**
